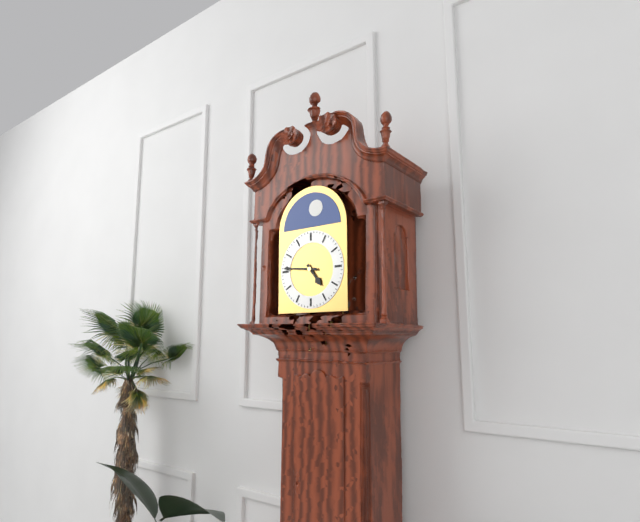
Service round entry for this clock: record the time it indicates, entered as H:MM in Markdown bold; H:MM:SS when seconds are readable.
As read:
**4:46**
